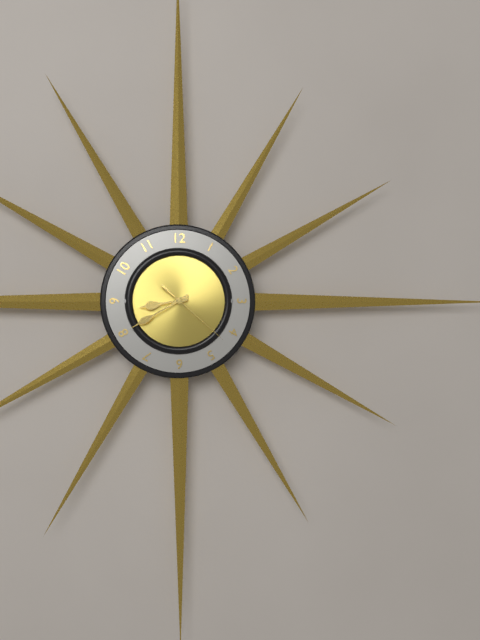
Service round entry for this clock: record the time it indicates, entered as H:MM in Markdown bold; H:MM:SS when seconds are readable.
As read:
**8:40:22**
